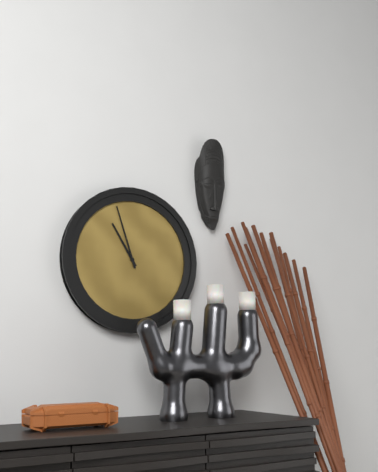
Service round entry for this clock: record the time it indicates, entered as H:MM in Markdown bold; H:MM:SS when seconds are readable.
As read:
**10:57**
